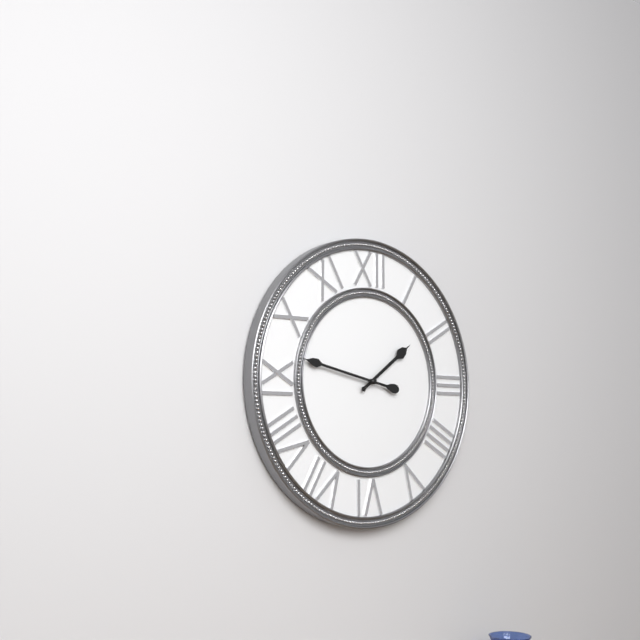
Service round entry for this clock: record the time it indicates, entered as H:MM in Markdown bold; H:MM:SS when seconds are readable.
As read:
**1:47**
